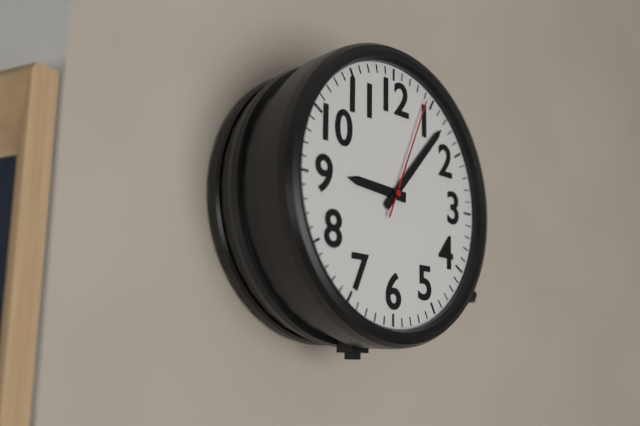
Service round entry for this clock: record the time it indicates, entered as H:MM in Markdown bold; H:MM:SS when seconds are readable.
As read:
**9:07:04**
